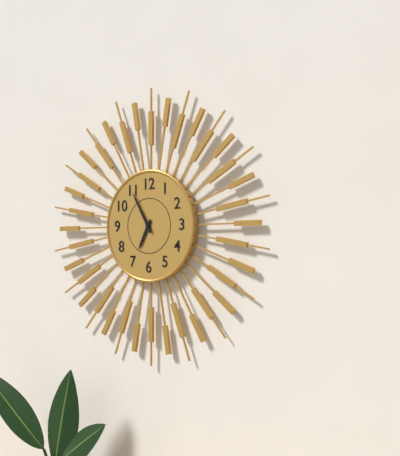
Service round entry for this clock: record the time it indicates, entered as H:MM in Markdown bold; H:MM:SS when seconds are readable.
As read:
**6:55**
